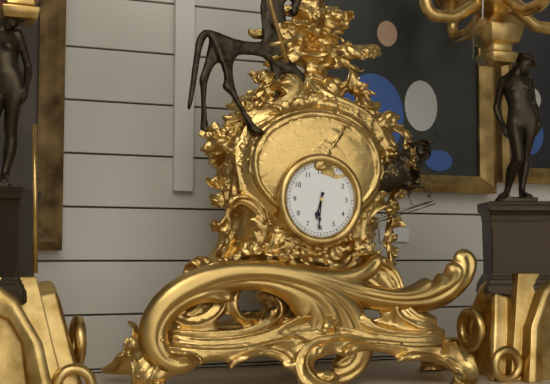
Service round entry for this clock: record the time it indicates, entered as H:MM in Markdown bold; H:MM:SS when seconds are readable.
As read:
**6:31**
